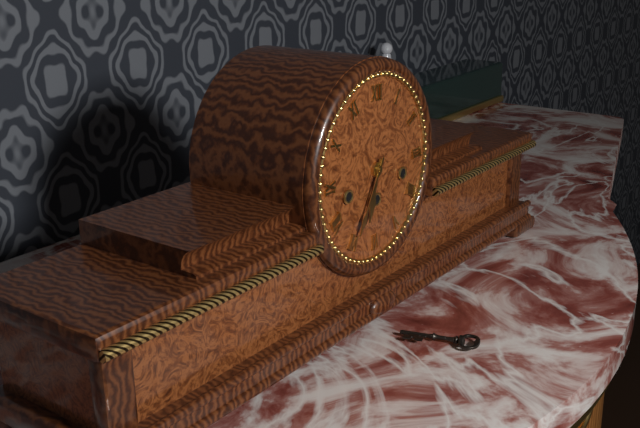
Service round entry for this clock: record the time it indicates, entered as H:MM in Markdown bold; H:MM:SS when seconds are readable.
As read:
**6:35**
